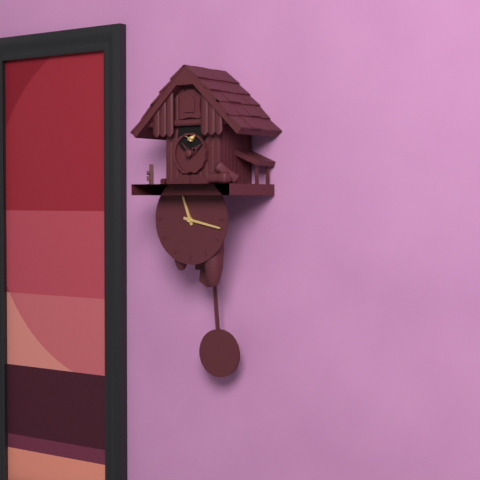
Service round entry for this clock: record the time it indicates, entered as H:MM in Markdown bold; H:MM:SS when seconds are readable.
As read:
**11:17**
